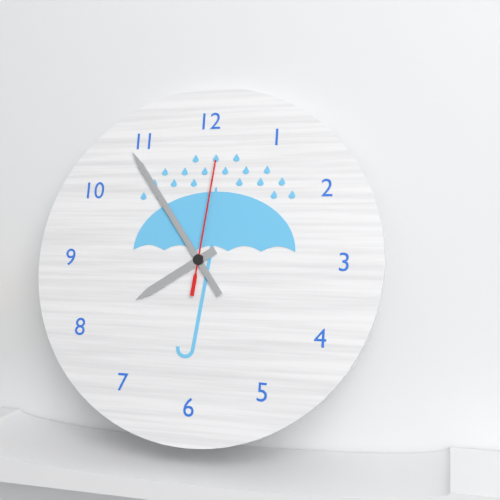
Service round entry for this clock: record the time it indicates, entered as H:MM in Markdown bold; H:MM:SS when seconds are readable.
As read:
**7:54:01**
